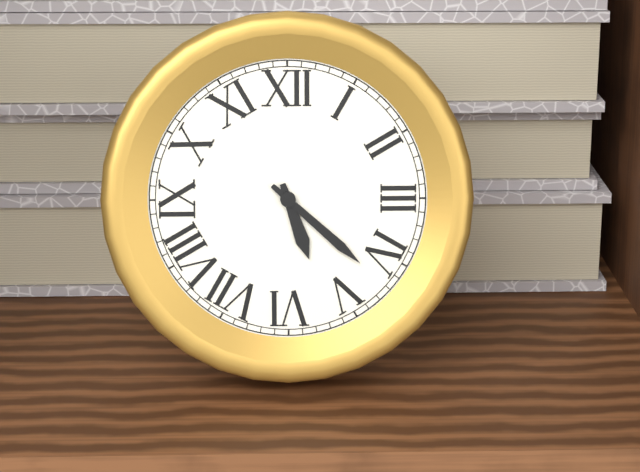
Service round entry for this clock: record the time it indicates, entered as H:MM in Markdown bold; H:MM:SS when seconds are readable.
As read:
**5:22**
